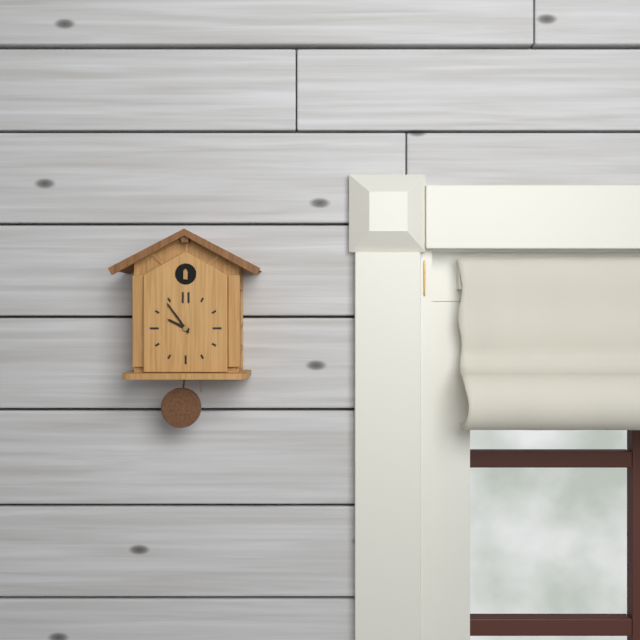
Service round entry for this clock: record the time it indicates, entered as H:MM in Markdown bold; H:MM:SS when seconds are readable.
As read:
**9:54**
